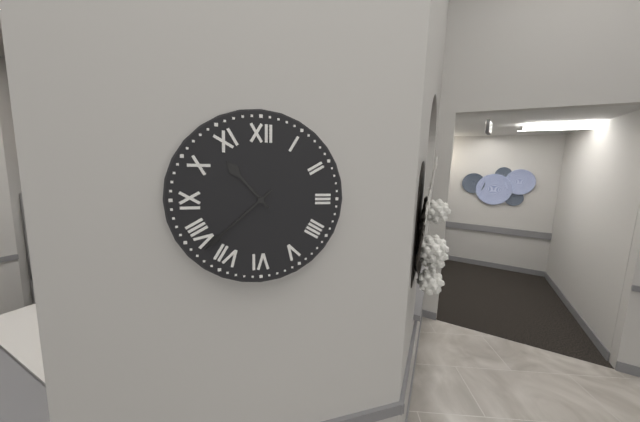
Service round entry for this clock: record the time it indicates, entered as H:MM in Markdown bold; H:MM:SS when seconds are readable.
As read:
**10:38**
